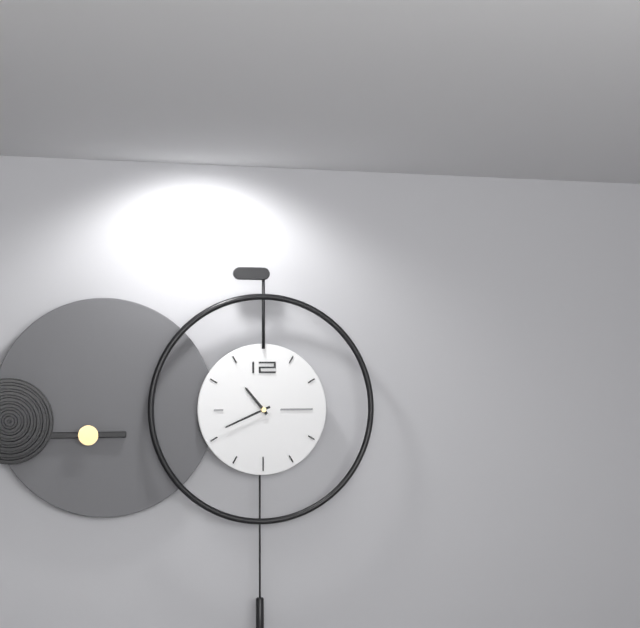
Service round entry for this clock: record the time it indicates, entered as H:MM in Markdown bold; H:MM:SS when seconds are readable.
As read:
**10:41**
